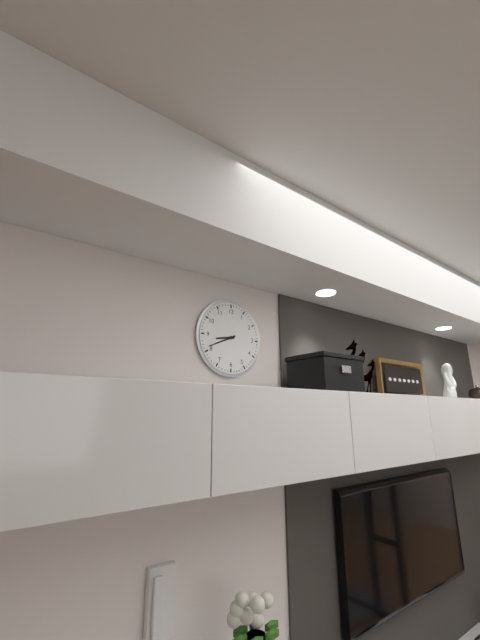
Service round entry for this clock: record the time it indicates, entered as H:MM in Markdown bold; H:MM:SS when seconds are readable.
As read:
**8:41**
